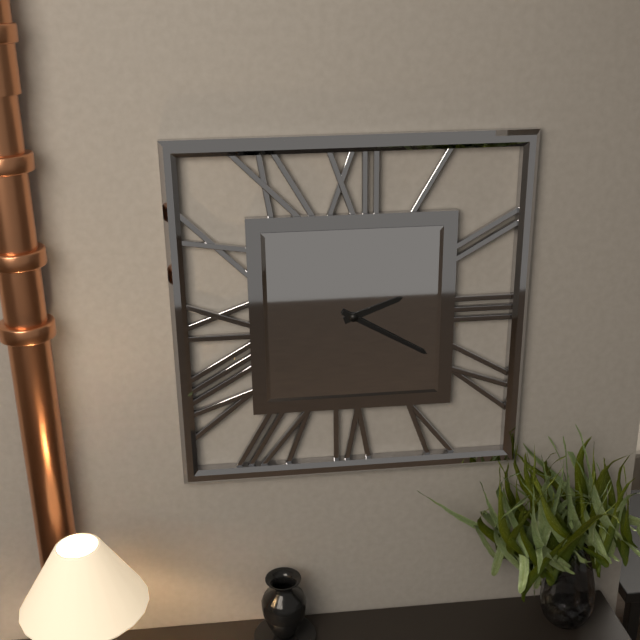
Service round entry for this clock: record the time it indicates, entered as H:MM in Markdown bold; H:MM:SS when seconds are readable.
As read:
**2:20**
